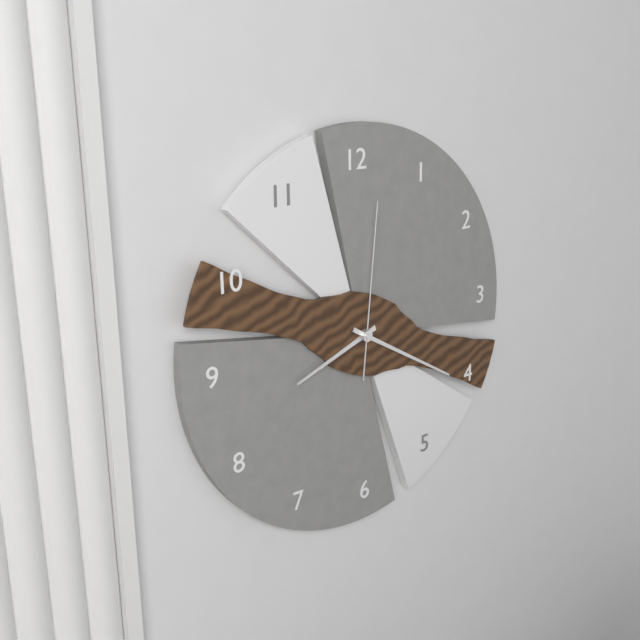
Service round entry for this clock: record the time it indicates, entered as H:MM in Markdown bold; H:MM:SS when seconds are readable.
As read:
**8:20:01**
